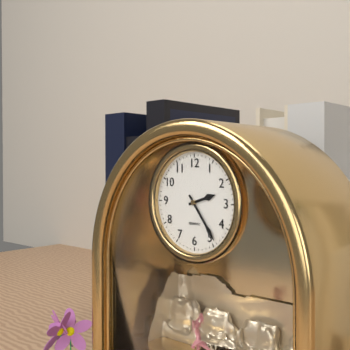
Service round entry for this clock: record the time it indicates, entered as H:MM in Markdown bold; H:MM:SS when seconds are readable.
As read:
**2:24**
